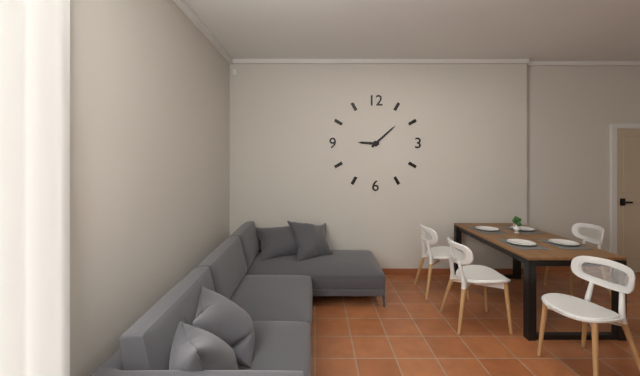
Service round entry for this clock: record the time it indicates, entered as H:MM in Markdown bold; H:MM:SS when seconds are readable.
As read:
**9:08**
